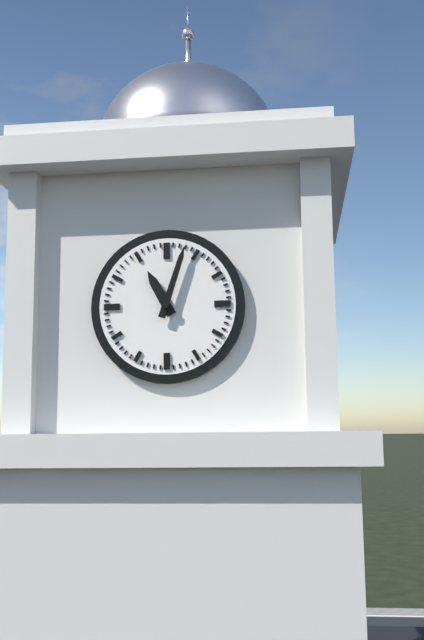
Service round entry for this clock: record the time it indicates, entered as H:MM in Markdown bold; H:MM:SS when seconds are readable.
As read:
**11:03**
